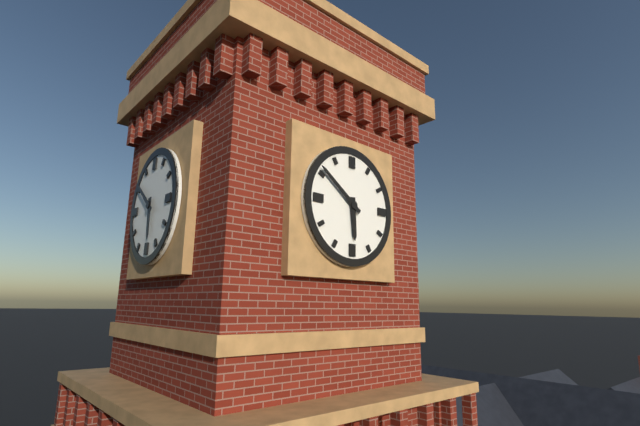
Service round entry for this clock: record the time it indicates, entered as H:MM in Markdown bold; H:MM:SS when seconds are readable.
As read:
**5:51**
